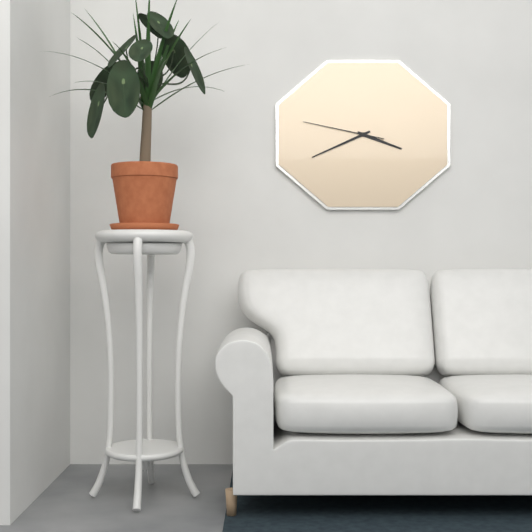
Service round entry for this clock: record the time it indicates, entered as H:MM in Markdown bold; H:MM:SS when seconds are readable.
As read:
**3:41:47**
